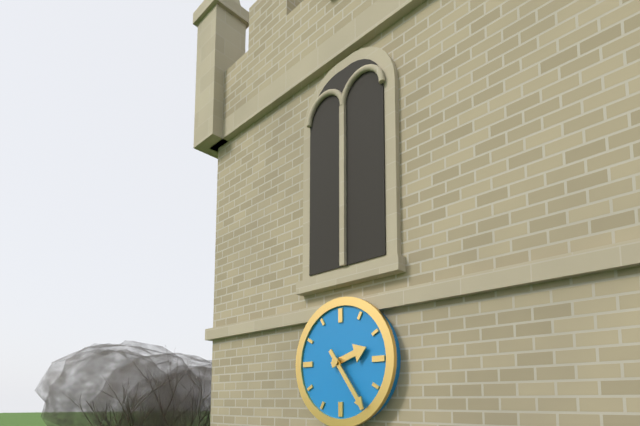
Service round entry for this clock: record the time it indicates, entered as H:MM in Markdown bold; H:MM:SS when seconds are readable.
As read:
**2:24**
